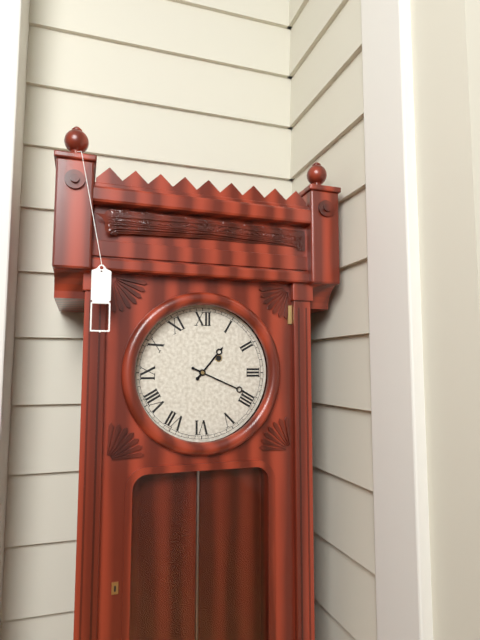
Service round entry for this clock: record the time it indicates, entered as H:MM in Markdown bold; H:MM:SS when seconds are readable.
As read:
**1:19**
